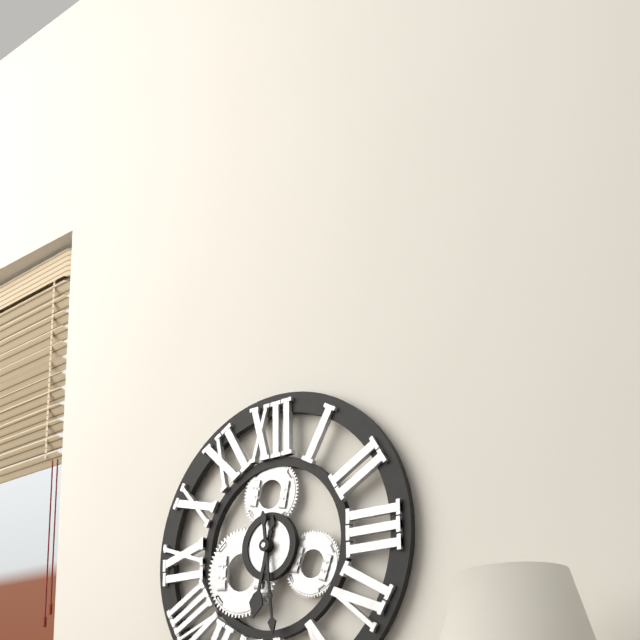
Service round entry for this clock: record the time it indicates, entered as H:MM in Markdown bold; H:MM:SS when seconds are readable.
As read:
**6:29**
